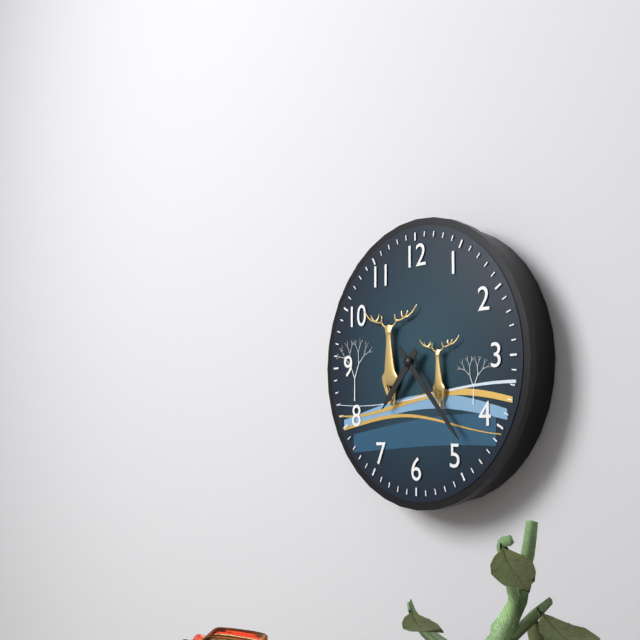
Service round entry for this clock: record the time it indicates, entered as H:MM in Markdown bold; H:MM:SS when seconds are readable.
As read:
**7:23**
